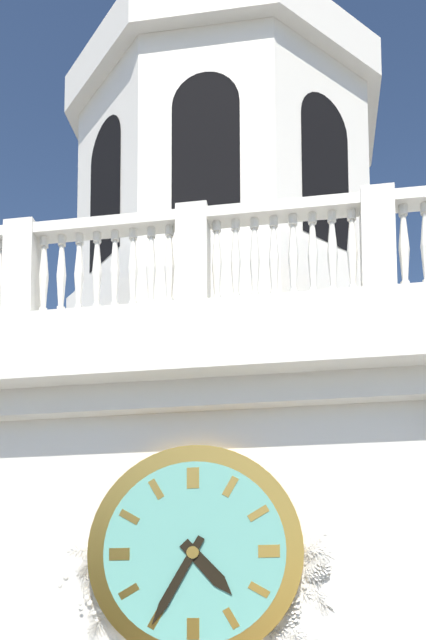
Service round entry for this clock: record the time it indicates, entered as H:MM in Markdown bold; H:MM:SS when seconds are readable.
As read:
**4:35**
